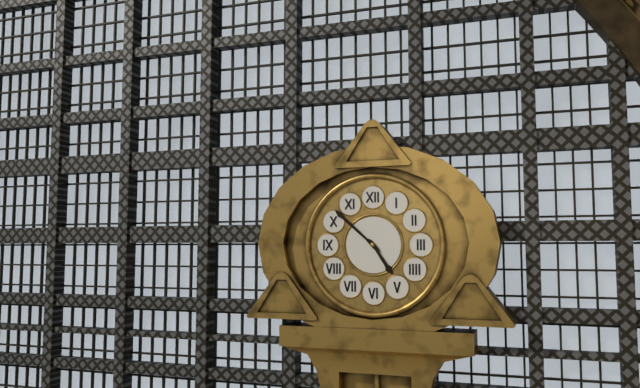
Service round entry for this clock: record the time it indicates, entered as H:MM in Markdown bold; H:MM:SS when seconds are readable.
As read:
**4:52**
